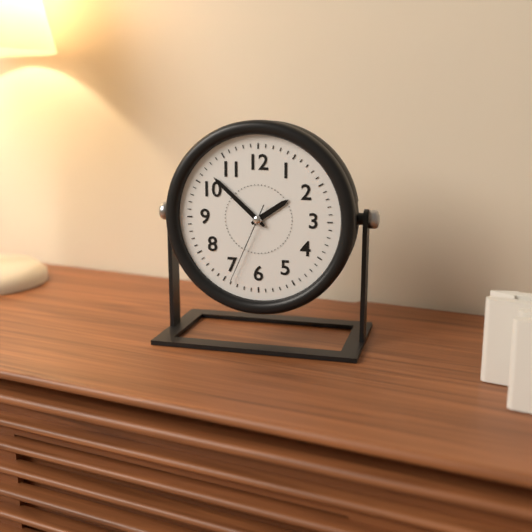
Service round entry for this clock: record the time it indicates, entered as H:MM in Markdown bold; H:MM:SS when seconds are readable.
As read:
**1:52:34**
